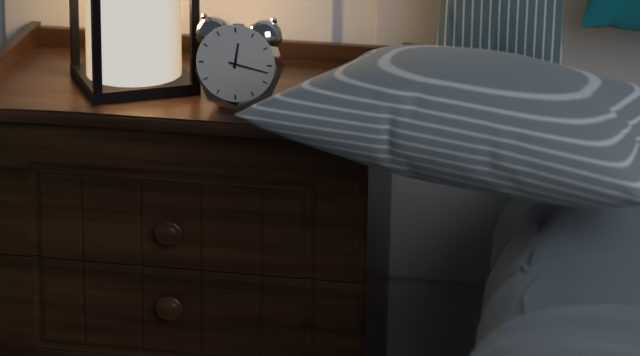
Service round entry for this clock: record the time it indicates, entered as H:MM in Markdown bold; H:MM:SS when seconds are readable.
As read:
**12:17**
